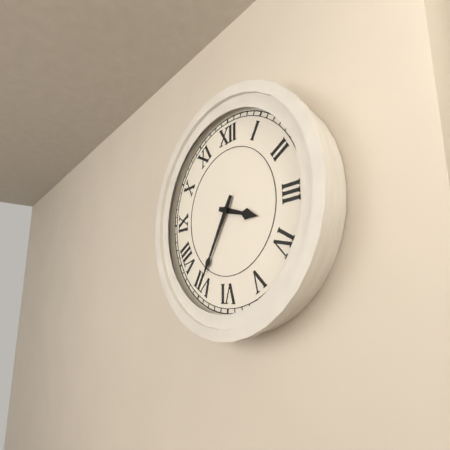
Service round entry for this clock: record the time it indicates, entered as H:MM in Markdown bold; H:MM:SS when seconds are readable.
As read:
**3:35**
